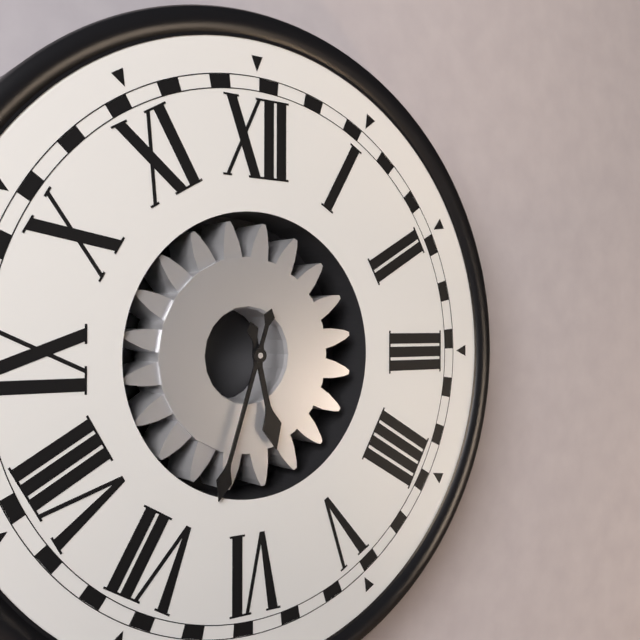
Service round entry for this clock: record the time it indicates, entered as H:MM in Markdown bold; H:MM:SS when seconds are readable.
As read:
**5:33**
